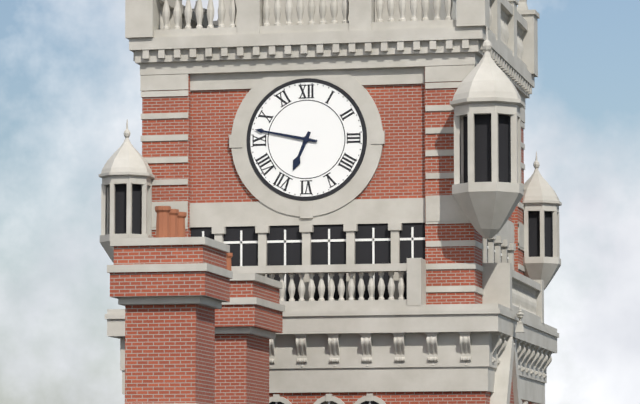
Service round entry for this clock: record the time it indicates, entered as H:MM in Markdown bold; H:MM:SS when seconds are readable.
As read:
**6:47**
